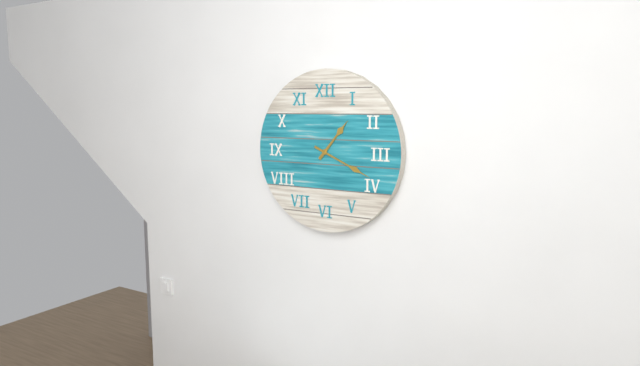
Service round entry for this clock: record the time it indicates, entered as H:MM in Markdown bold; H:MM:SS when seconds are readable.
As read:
**1:19**
